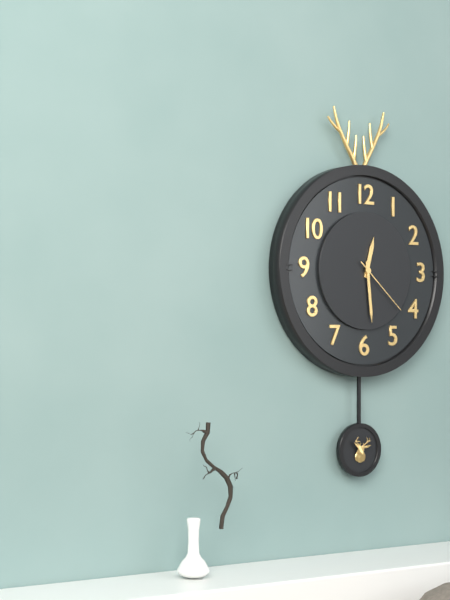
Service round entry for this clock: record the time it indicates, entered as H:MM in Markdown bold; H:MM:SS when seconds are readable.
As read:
**12:29:22**
